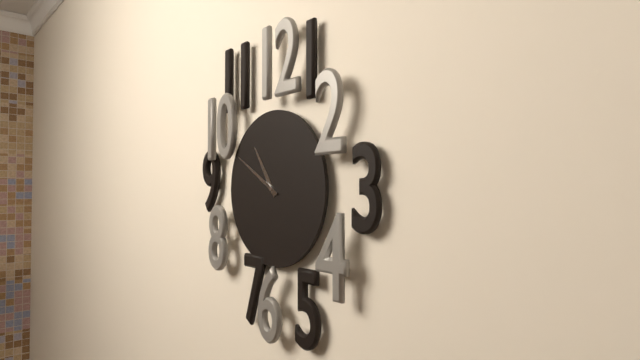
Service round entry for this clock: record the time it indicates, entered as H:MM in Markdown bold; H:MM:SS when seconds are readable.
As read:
**10:50**
